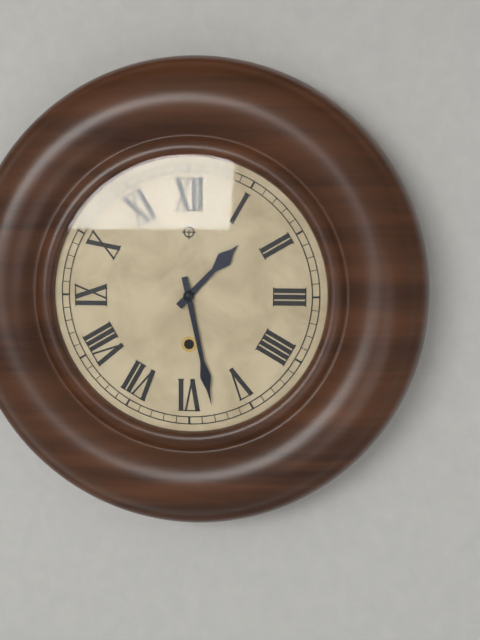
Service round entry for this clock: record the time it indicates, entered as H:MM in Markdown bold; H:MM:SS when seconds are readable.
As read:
**1:28**
